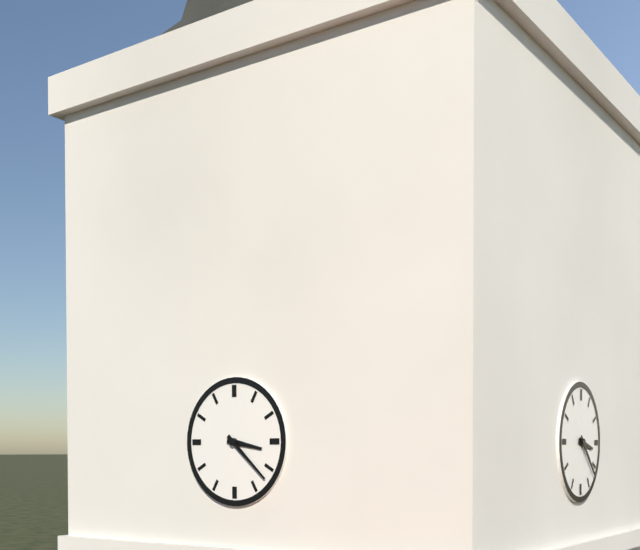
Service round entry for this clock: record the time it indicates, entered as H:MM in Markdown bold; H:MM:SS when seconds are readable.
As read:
**3:22**
